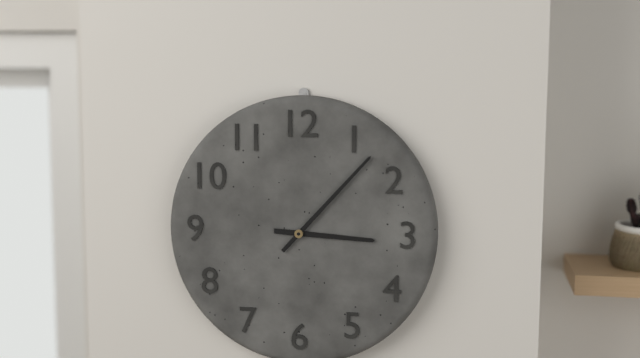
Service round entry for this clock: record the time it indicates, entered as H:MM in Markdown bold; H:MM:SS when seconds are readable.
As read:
**3:07**
